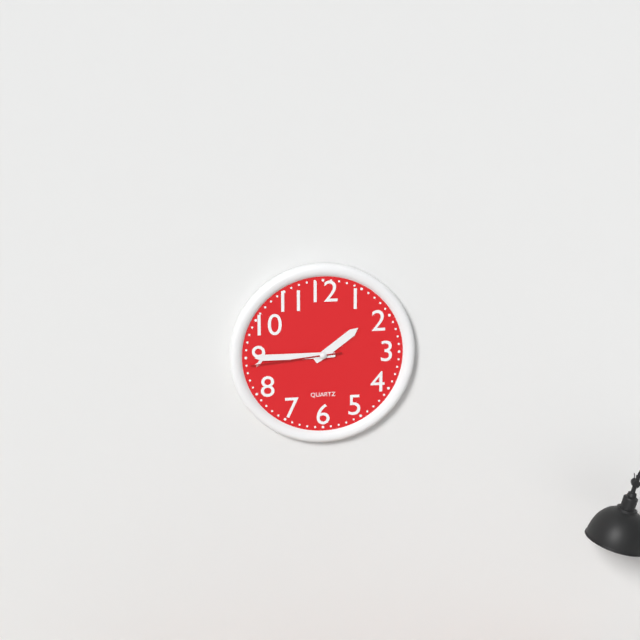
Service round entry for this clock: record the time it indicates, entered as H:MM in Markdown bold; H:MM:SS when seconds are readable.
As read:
**1:45:44**
